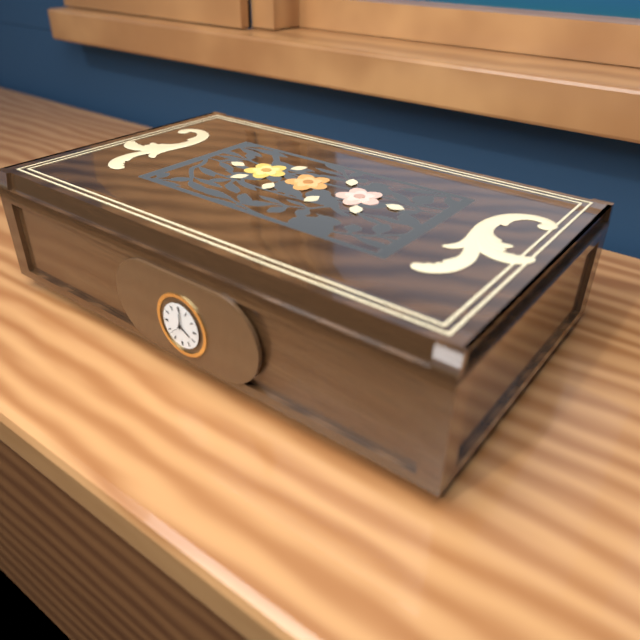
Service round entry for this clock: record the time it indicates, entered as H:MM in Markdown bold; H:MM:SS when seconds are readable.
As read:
**4:01:38**
